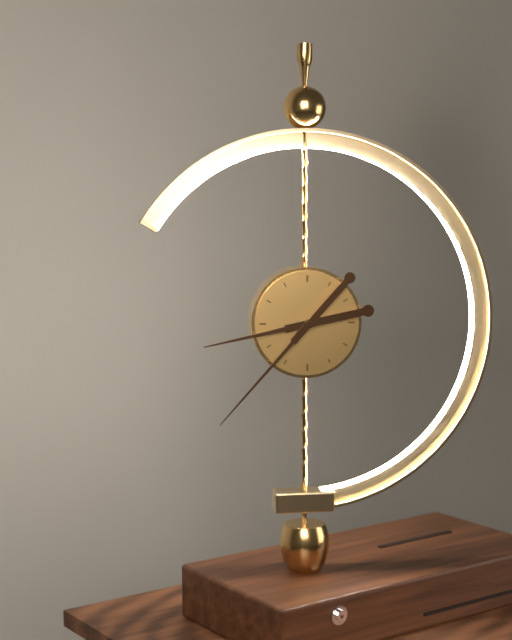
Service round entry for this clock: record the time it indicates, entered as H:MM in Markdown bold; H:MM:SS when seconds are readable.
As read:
**8:37**
